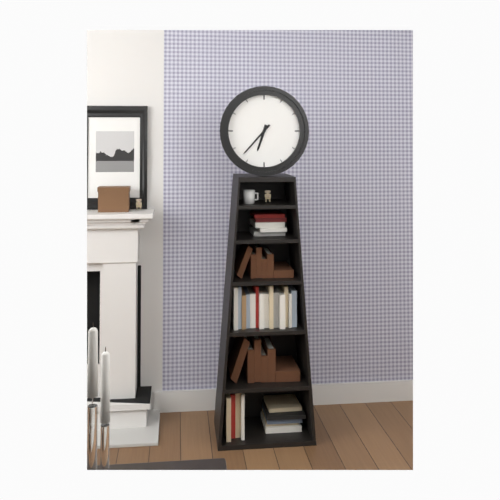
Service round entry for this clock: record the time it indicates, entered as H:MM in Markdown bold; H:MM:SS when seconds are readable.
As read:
**6:37**
